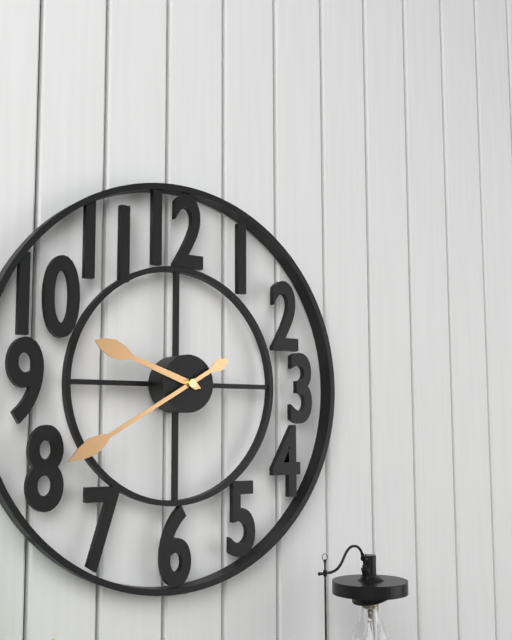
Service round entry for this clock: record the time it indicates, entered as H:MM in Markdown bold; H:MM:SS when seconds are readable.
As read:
**9:40**
